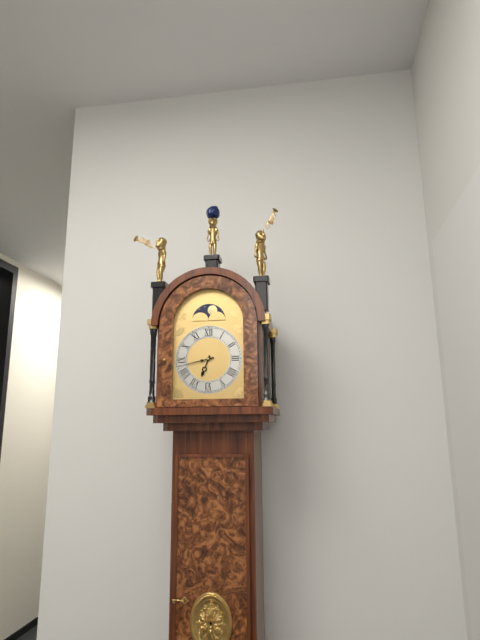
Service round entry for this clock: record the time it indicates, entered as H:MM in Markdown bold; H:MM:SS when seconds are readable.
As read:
**6:43**
